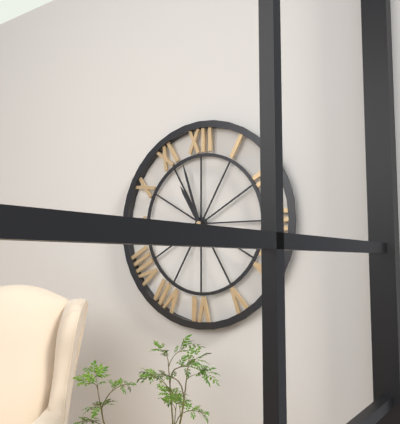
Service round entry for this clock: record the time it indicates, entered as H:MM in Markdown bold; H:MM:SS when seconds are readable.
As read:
**10:57**
